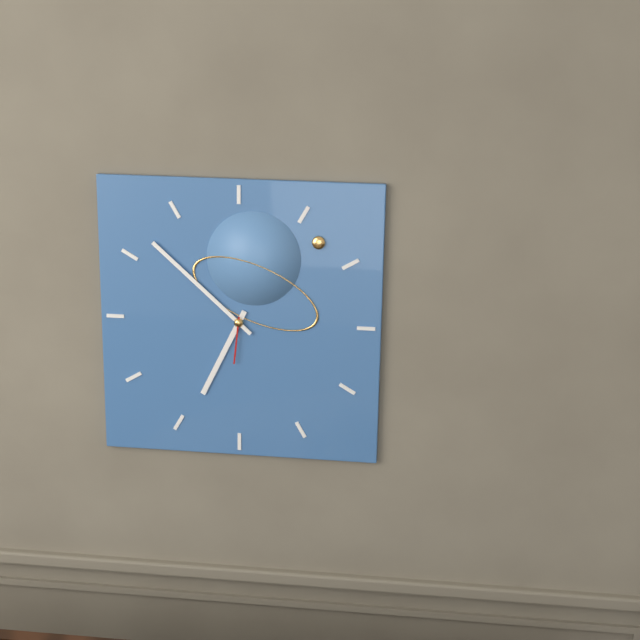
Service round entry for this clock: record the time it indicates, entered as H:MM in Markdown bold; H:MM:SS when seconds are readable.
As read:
**6:52:31**
